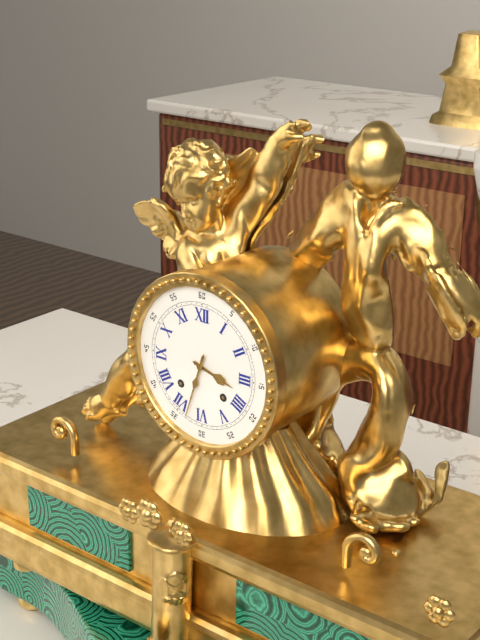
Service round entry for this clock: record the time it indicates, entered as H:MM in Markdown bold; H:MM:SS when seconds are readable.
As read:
**3:33**
